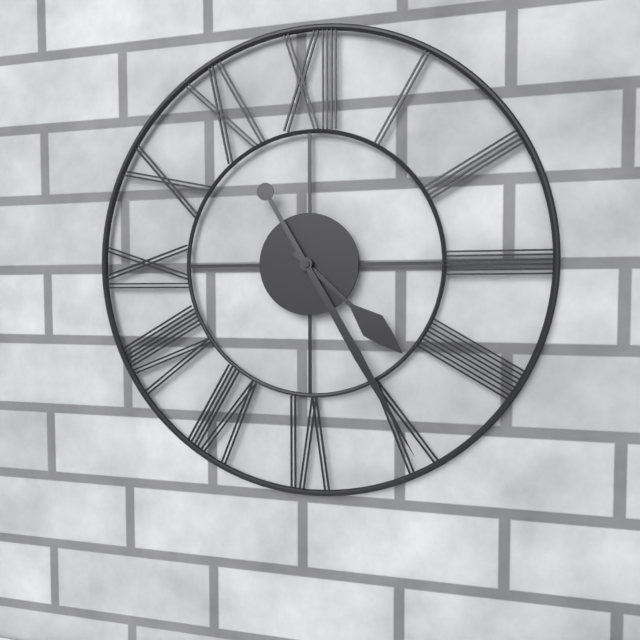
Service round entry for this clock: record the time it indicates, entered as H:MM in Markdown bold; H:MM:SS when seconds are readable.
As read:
**4:25**
